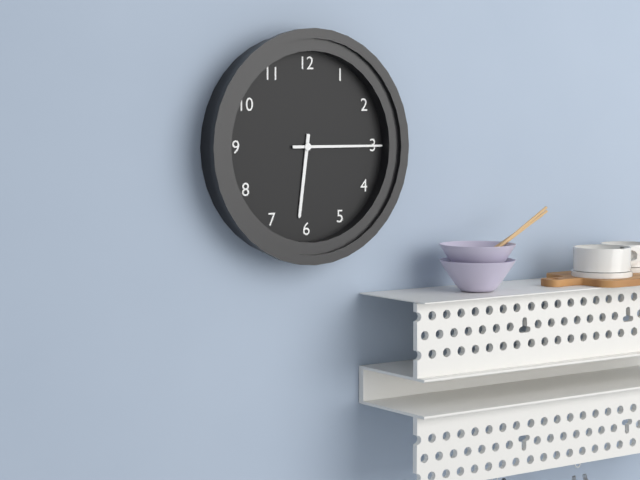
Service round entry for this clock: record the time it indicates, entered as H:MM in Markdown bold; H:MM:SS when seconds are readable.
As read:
**6:15**
